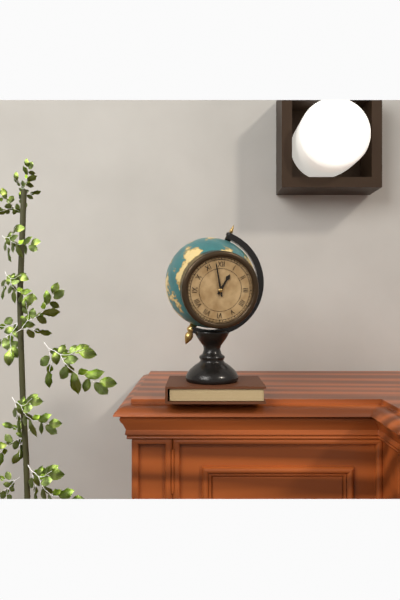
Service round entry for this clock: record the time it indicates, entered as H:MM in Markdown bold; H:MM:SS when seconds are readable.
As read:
**12:58**
